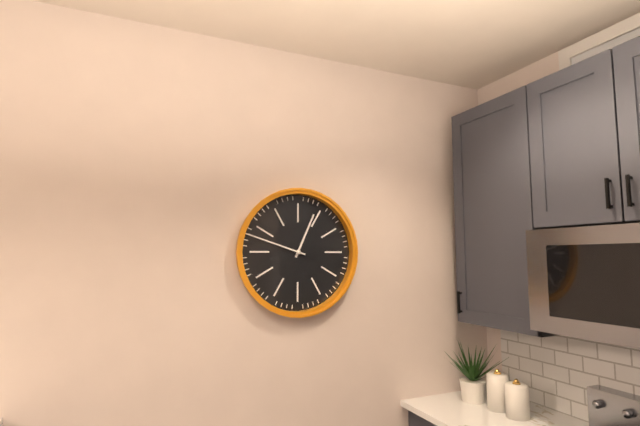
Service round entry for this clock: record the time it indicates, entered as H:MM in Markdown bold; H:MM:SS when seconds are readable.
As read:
**12:48**
